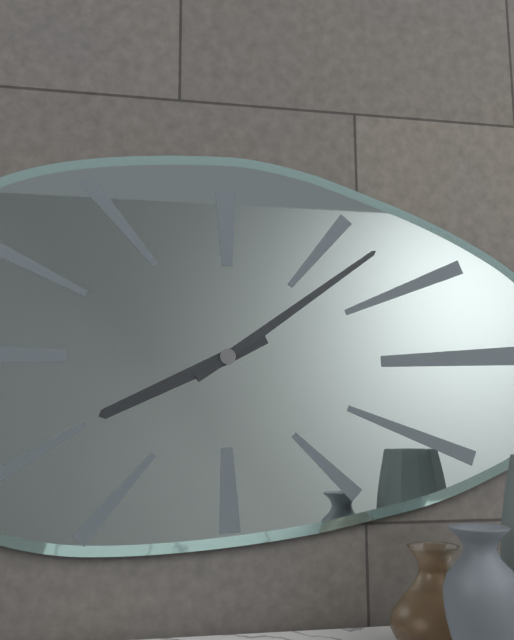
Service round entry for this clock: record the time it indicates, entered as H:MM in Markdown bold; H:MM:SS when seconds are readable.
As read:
**8:09**
